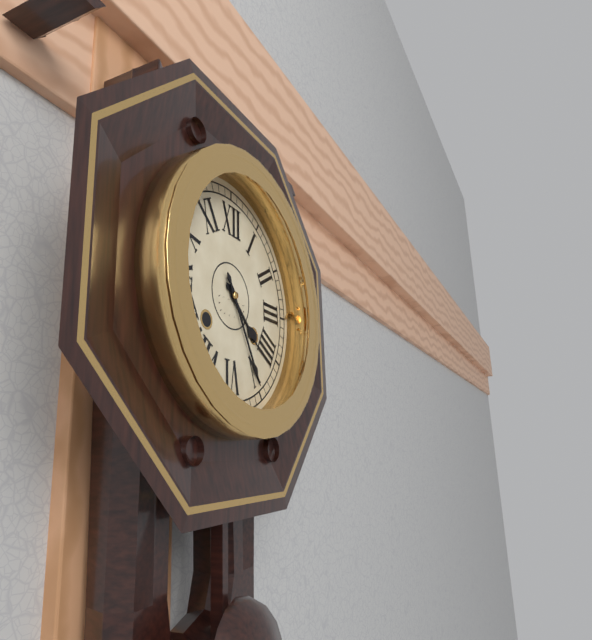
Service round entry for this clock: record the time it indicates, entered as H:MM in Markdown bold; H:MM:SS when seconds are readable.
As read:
**4:25**
